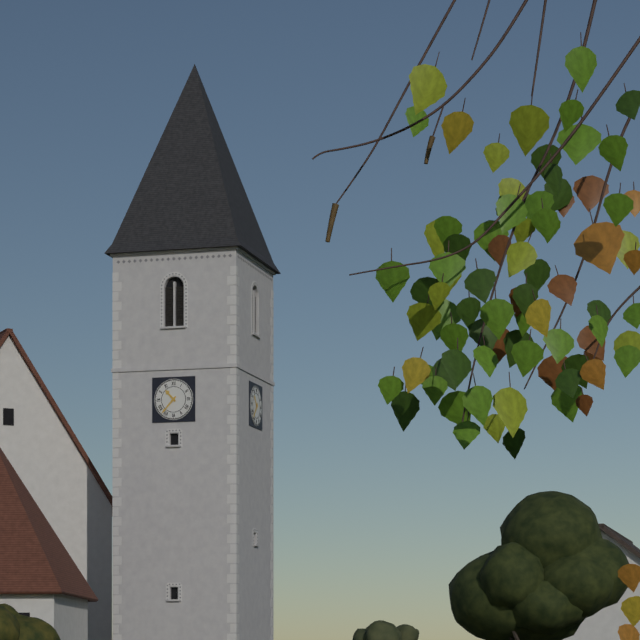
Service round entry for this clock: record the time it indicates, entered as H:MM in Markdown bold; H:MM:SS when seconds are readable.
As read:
**10:37**
